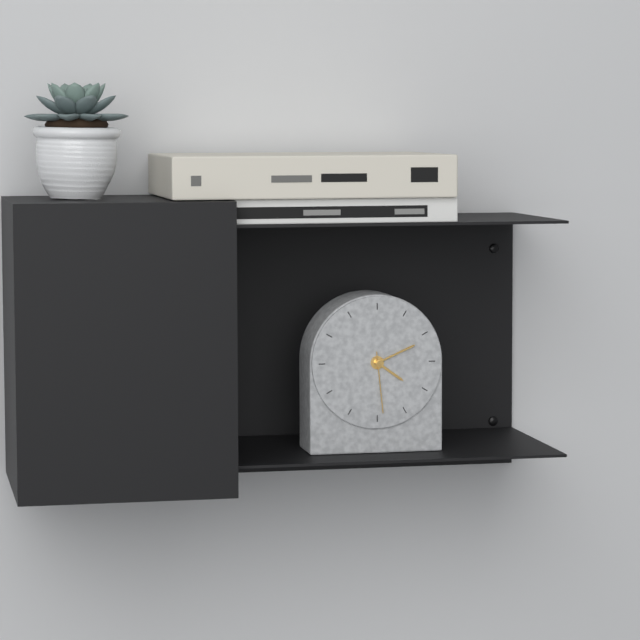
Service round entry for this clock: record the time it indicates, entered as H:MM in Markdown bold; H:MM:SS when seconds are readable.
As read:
**4:11:29**
